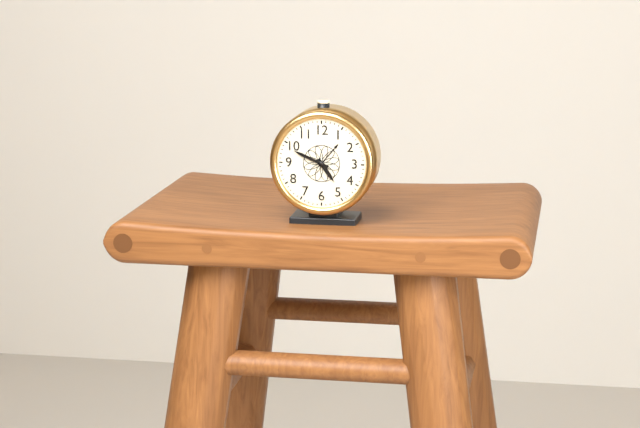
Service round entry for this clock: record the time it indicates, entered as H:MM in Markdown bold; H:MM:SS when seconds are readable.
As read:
**4:49**
